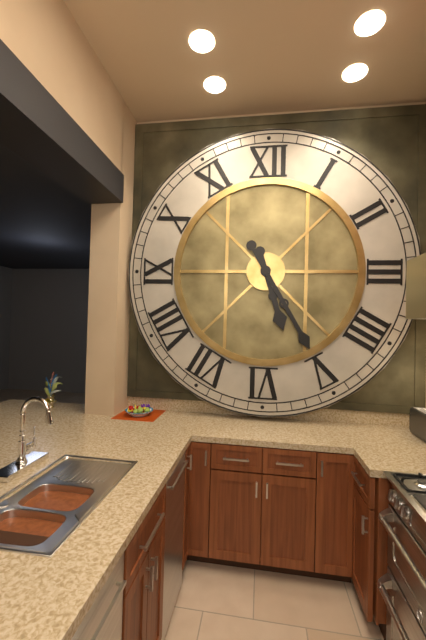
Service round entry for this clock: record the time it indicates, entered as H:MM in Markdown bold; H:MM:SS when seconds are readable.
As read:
**5:25**
